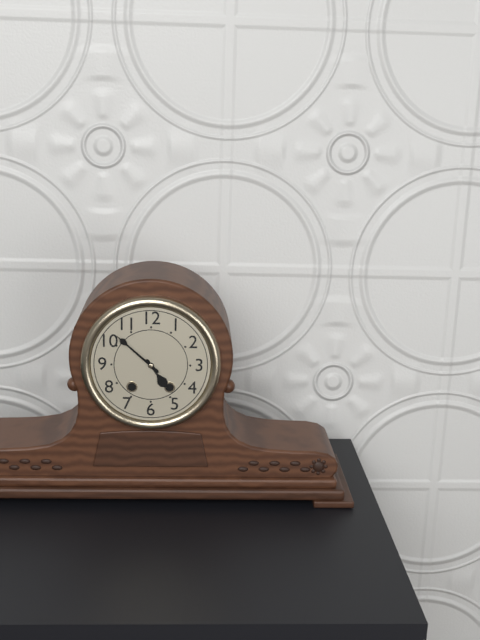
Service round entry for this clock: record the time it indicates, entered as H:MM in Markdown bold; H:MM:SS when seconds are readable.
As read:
**4:52**
